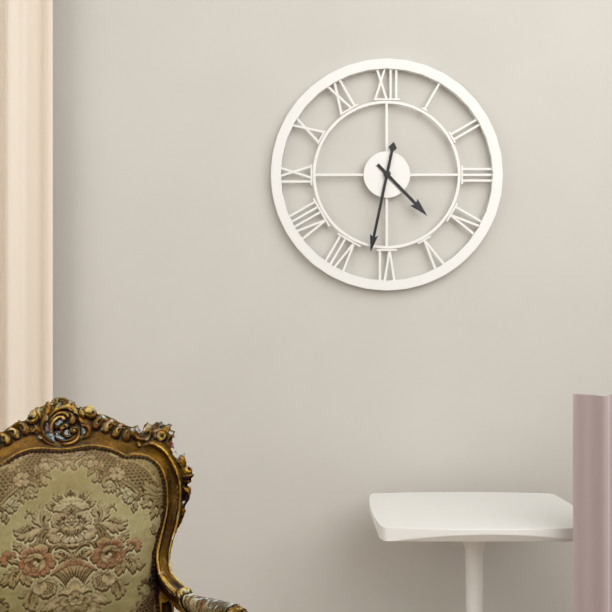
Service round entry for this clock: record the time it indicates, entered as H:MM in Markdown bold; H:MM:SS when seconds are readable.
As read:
**4:32**
